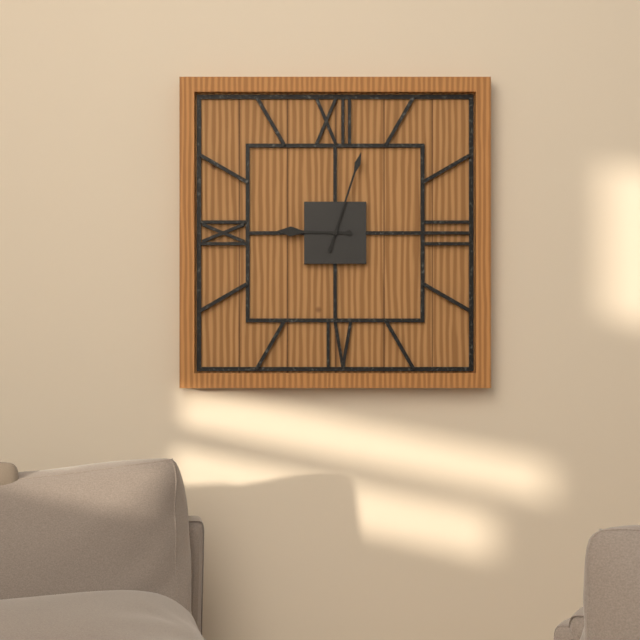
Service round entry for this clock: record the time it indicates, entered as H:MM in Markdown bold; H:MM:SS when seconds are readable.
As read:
**9:03**
